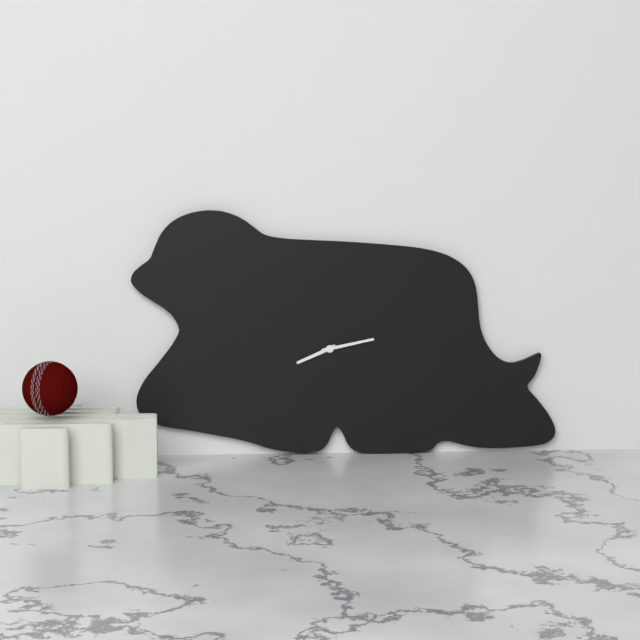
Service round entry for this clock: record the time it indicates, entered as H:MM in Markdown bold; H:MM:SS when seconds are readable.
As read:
**8:13**
